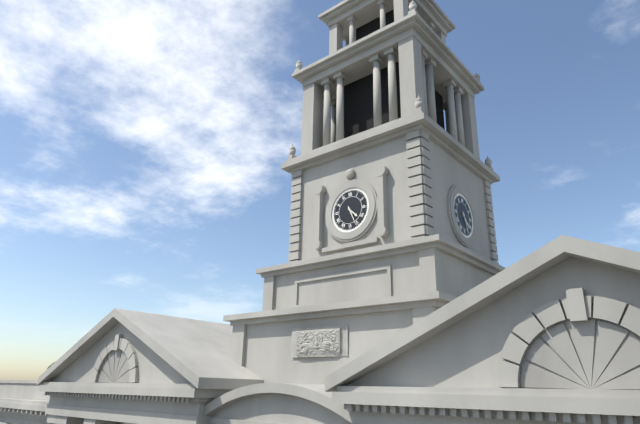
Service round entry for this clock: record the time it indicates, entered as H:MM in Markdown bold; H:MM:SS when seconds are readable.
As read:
**4:26**
